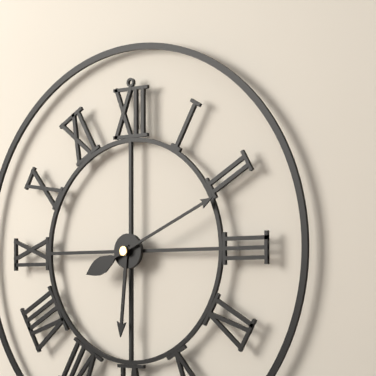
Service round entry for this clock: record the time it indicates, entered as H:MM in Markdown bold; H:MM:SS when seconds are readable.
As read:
**6:11**
